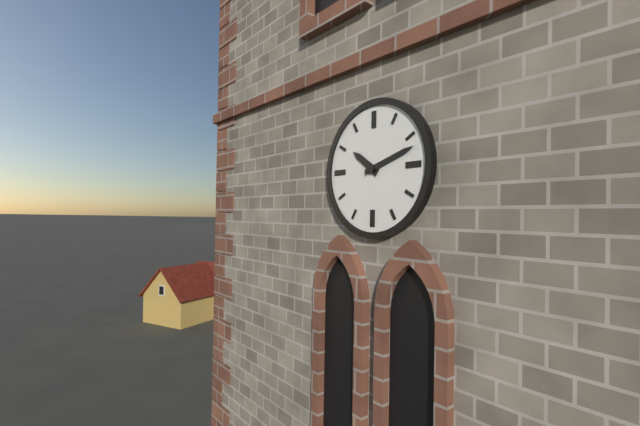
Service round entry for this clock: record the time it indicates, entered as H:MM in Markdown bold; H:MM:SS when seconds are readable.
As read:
**10:12**
